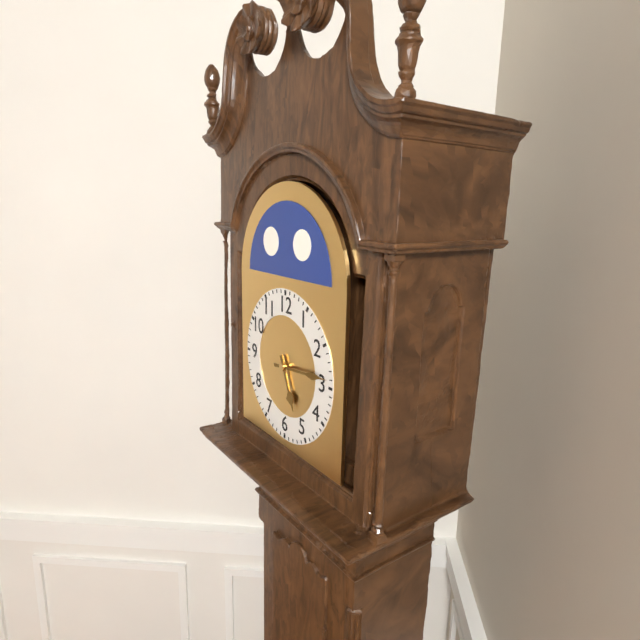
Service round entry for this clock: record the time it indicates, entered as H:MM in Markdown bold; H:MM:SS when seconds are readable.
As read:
**5:14**
